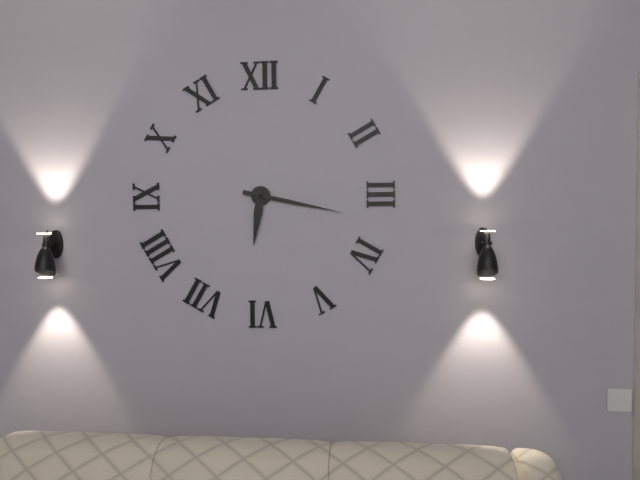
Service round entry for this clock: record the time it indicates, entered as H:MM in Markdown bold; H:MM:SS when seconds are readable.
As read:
**6:17**
